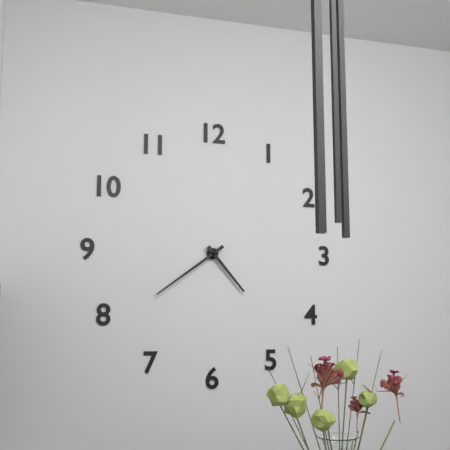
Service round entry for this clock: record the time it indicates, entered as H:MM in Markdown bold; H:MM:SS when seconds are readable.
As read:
**4:39**
